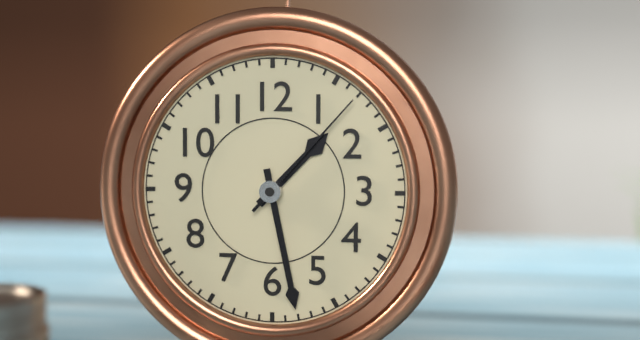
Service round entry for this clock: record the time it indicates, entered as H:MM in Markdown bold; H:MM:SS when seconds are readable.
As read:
**1:28:07**
